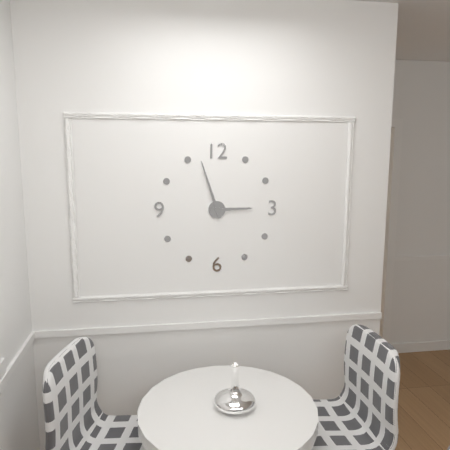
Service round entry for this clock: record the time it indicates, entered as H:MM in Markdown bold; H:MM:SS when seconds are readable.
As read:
**2:57**
